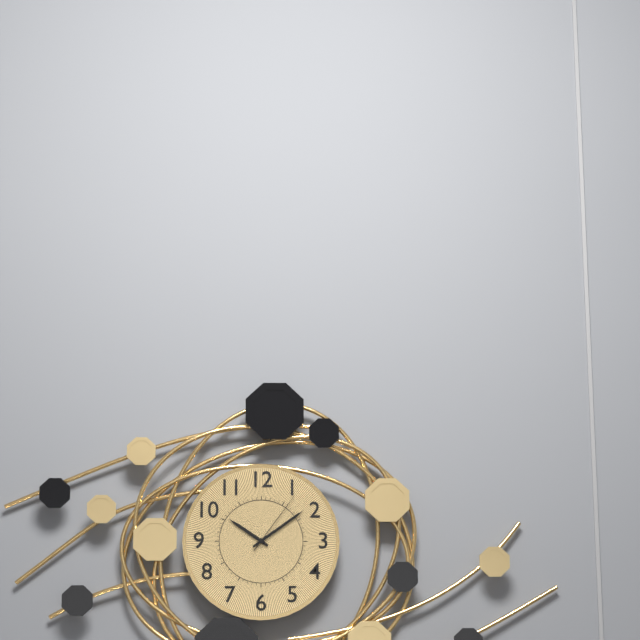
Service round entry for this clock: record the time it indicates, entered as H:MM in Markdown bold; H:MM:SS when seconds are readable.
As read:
**10:09:06**
